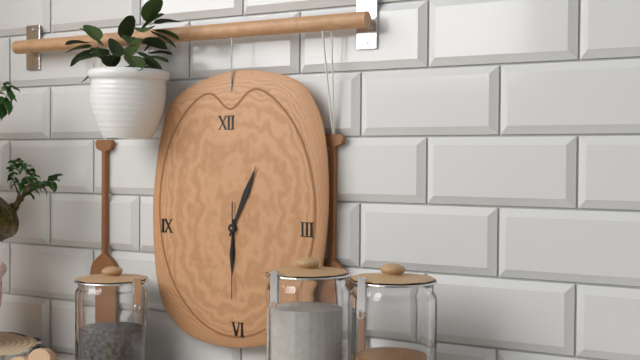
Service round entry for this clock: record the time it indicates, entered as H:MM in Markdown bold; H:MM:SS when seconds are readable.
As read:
**6:04:30**
